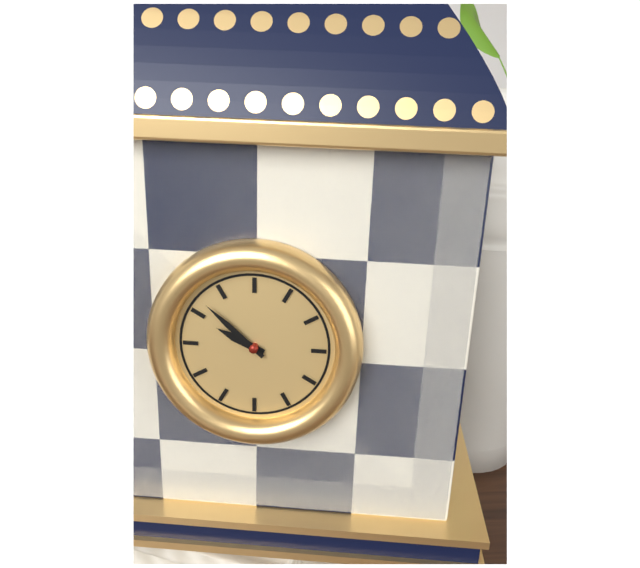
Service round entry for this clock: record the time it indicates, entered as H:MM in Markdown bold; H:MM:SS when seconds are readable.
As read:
**9:52**
